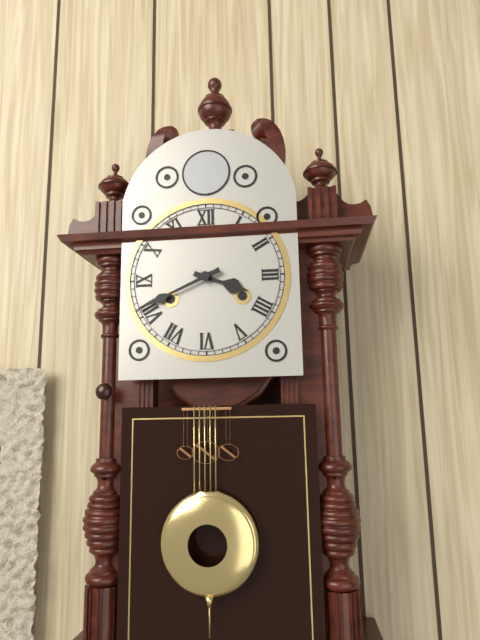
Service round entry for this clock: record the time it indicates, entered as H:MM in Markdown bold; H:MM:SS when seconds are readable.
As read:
**3:41**
